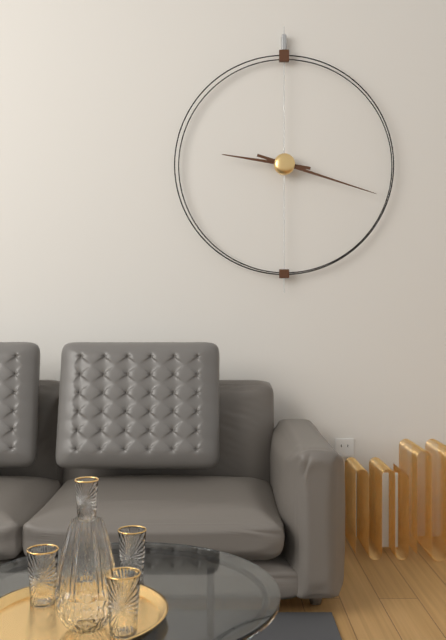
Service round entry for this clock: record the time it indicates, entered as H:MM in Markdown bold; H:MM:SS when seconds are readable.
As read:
**9:18**
